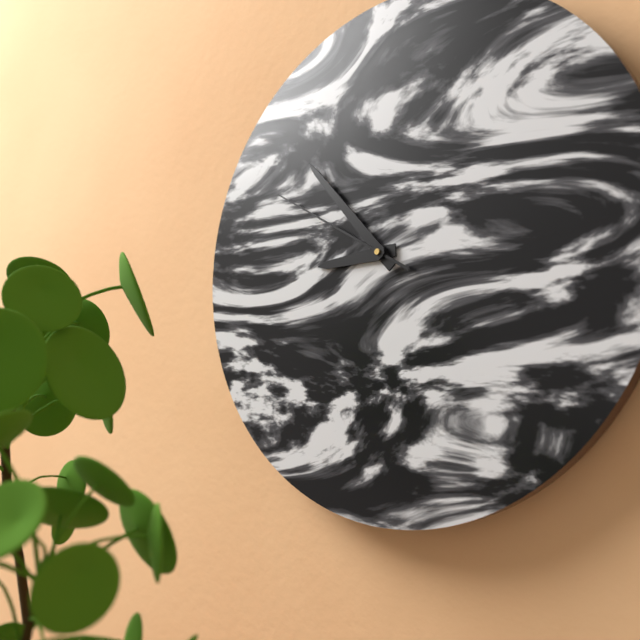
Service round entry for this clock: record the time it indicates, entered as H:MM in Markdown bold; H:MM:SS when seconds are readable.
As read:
**8:53:50**
